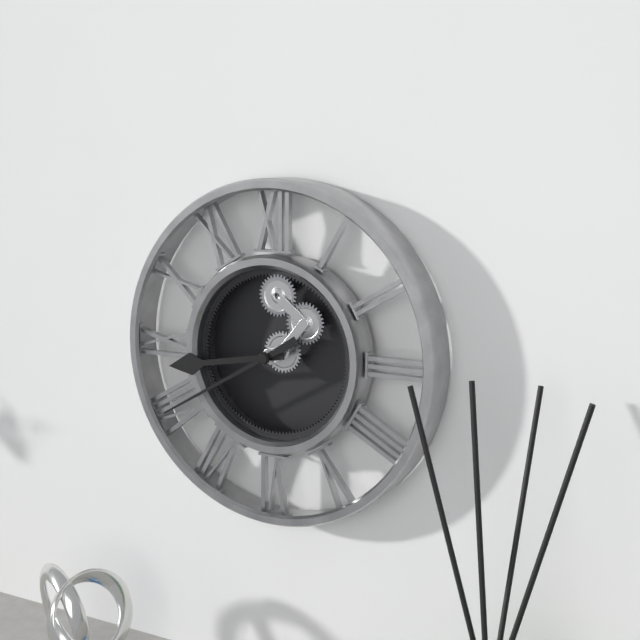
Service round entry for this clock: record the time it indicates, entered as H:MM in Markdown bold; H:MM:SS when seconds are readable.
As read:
**8:40**
